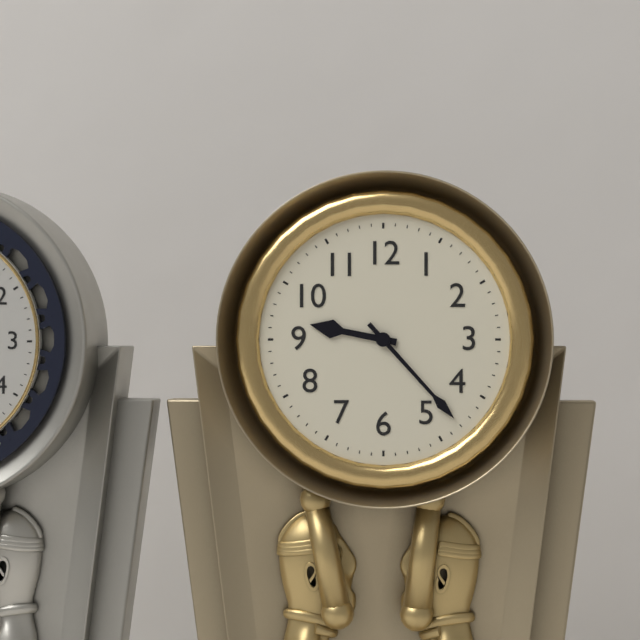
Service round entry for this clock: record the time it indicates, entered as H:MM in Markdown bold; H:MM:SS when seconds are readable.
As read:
**9:23**
